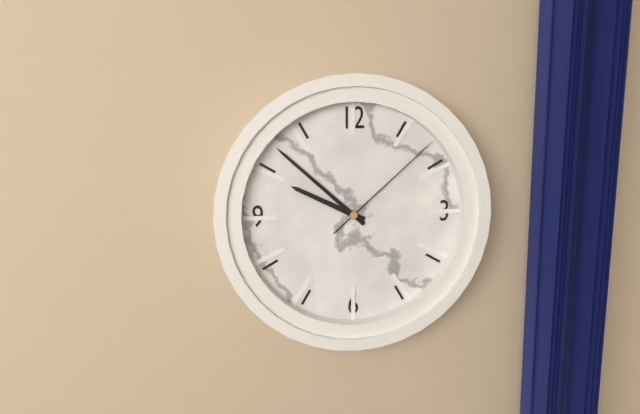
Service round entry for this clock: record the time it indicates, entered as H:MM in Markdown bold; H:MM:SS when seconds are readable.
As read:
**9:52:08**
